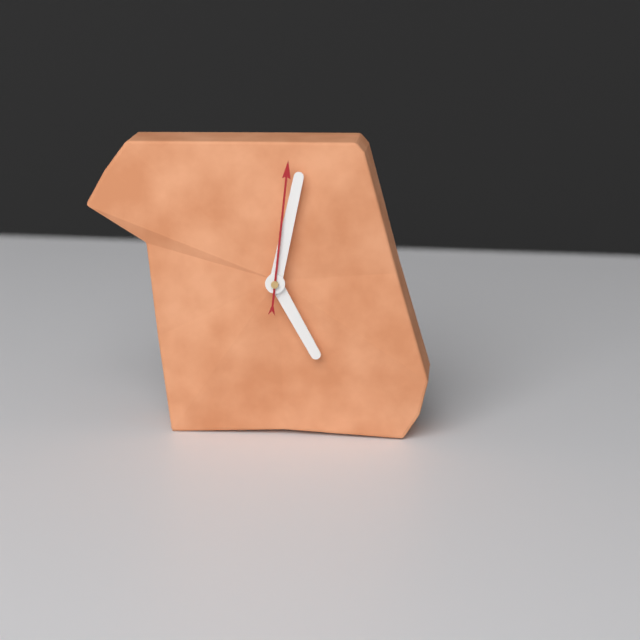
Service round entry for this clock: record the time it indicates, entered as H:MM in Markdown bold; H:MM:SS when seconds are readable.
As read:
**5:02:01**
